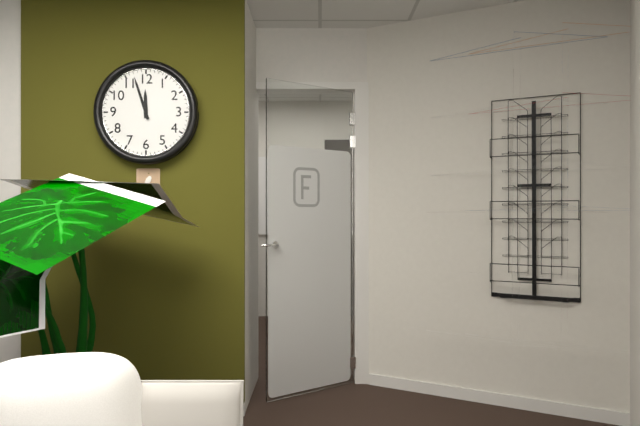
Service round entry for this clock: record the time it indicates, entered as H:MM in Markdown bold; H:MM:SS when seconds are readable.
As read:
**11:57**
